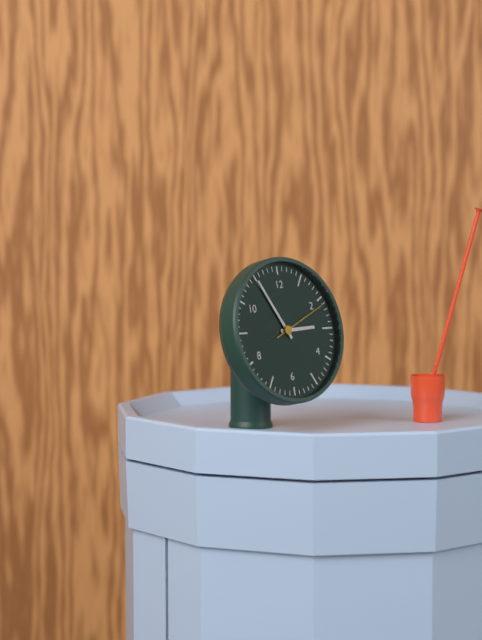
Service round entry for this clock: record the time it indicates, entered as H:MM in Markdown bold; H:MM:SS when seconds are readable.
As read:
**2:55:11**
